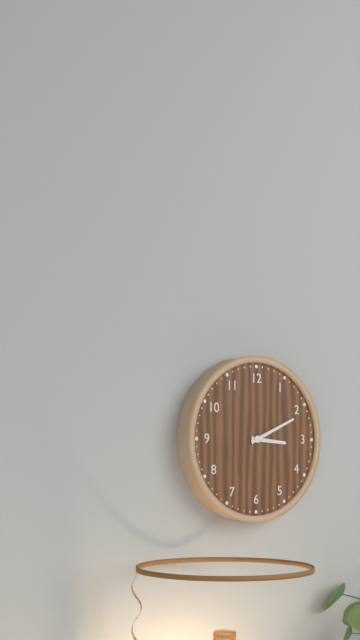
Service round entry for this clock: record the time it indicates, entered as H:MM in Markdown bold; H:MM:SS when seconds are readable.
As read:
**3:11**
